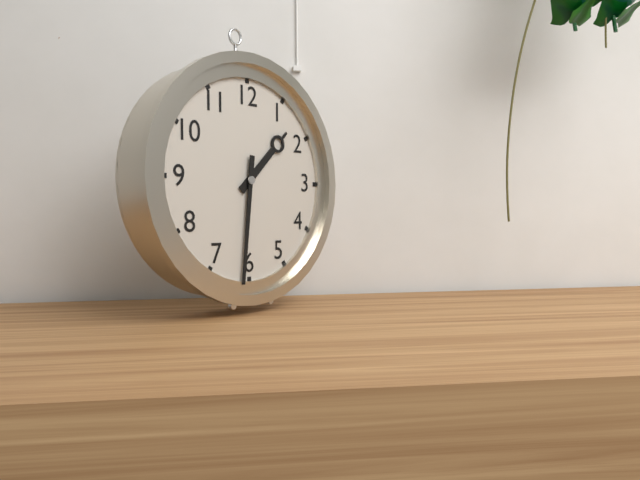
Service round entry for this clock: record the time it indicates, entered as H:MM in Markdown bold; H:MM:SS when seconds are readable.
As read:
**1:31**
